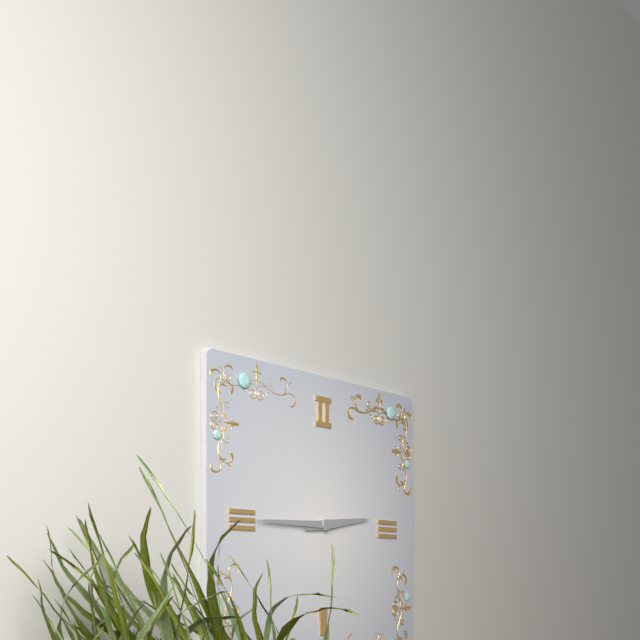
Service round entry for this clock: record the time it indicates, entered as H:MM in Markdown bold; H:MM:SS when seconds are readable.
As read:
**2:45**
